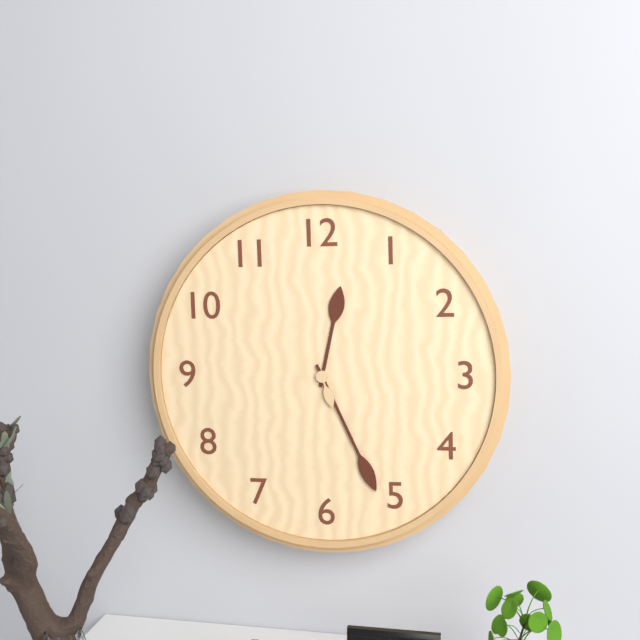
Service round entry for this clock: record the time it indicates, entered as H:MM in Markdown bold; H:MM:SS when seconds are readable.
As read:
**12:26:27**
